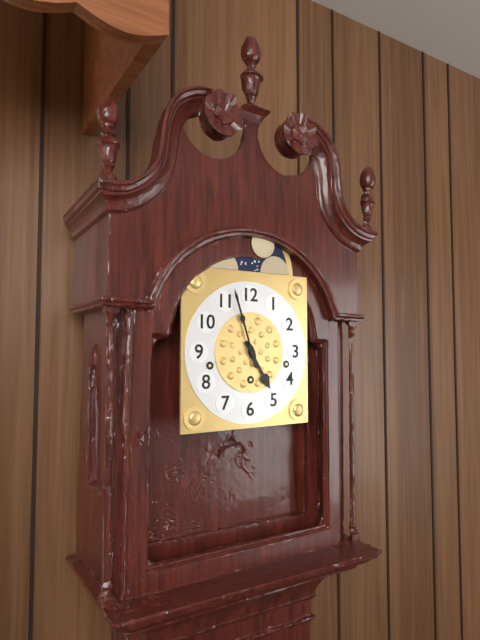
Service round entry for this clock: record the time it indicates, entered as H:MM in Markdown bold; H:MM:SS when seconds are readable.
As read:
**4:57**
